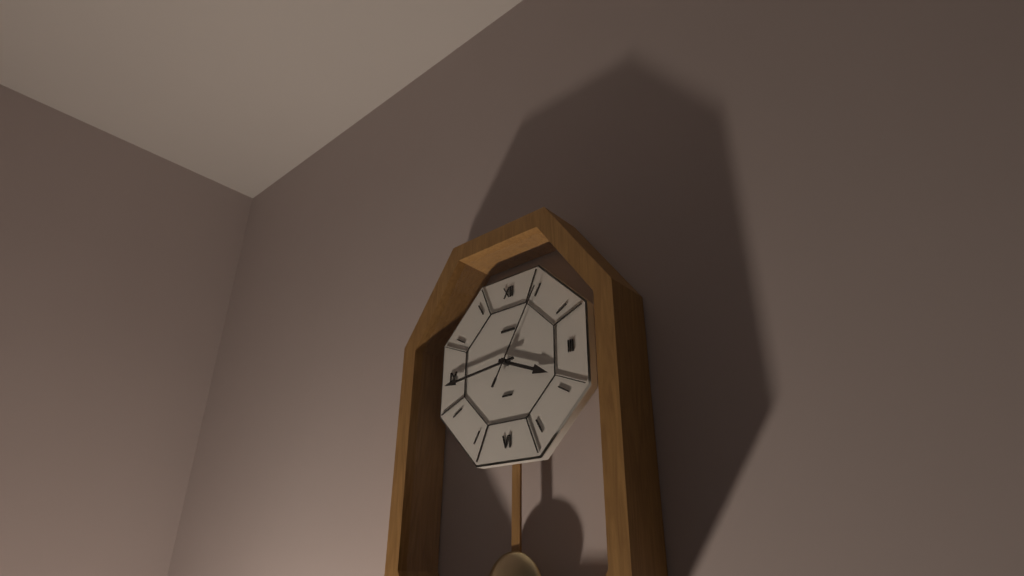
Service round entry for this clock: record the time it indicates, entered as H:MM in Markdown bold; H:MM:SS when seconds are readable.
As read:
**3:44:05**
